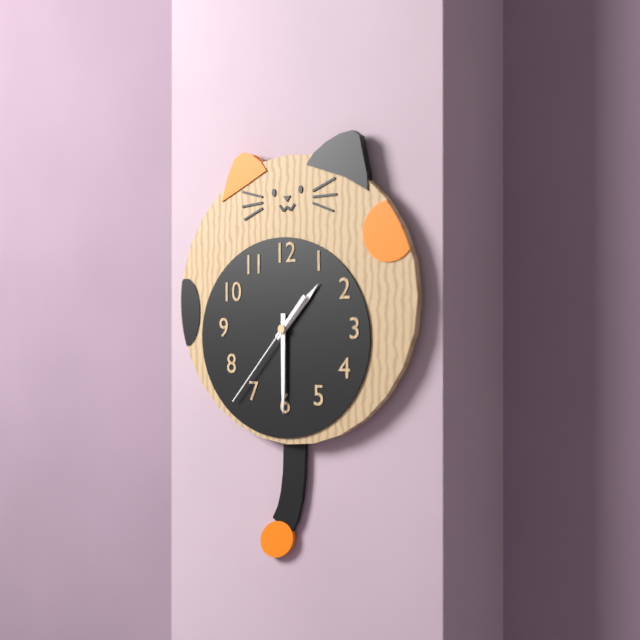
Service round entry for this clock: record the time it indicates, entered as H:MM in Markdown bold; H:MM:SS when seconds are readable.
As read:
**1:30:37**
